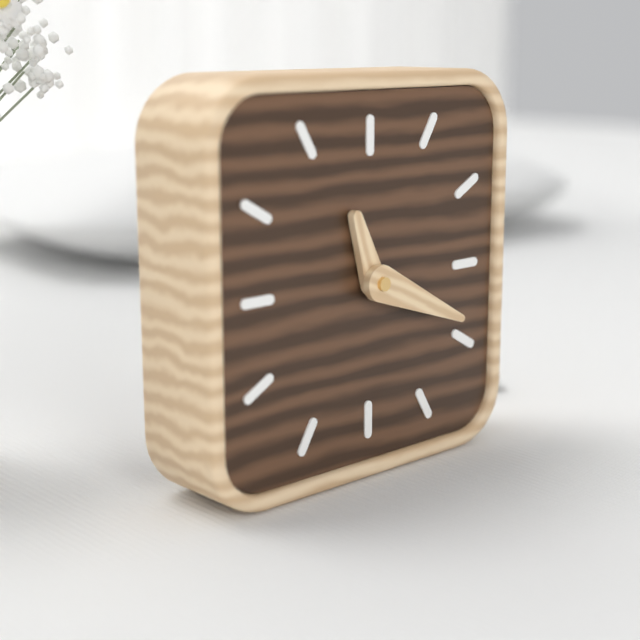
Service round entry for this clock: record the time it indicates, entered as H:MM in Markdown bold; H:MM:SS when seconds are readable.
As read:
**11:19**
